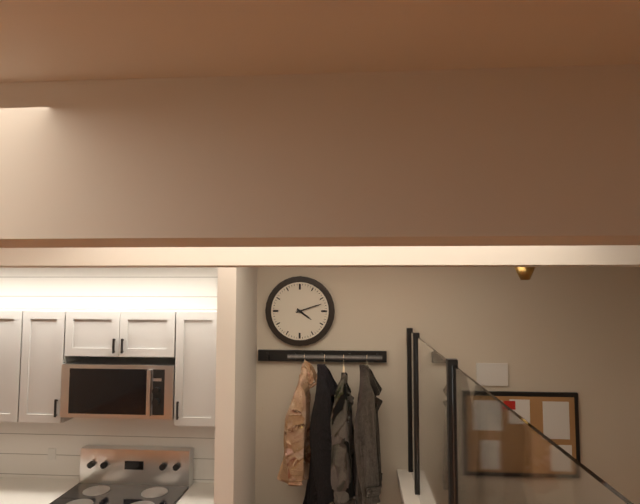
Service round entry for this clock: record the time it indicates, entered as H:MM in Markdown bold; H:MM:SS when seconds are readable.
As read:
**4:12**
